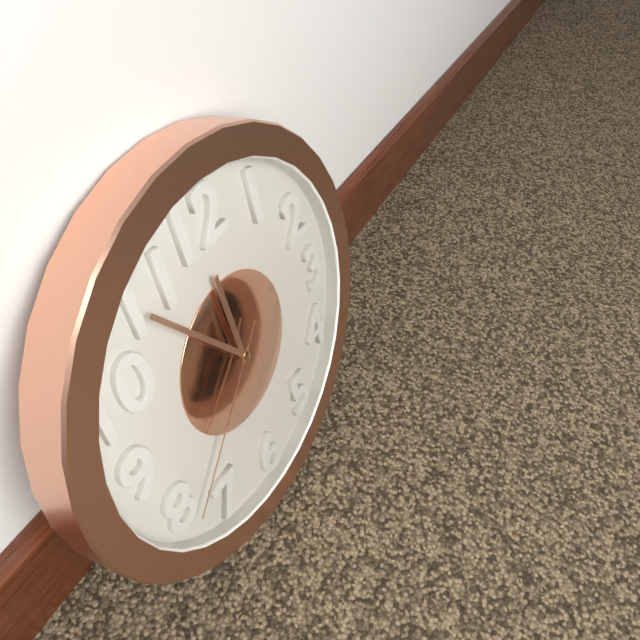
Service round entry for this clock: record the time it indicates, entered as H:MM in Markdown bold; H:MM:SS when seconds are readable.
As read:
**11:54:38**
